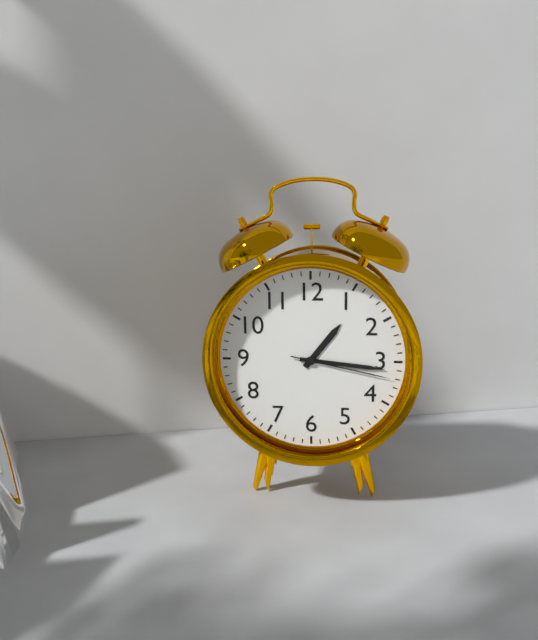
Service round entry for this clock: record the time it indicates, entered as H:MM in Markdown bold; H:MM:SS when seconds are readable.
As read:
**1:16:17**
